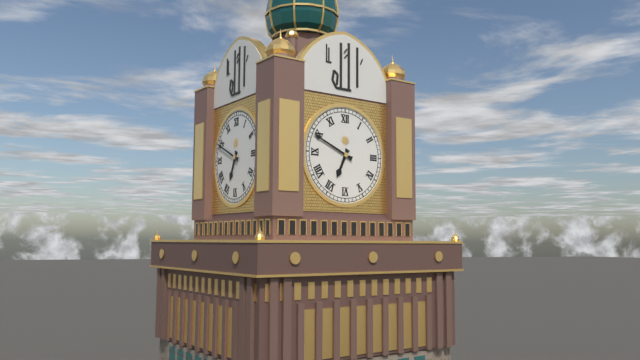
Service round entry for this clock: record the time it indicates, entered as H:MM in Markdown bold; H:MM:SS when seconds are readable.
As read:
**6:49**
